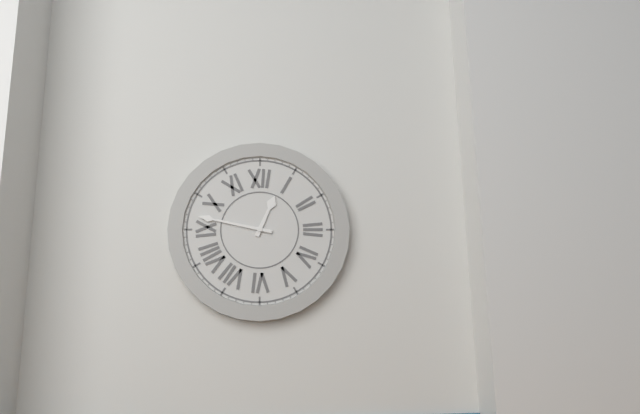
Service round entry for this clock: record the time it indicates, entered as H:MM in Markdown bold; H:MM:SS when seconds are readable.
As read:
**12:47**
